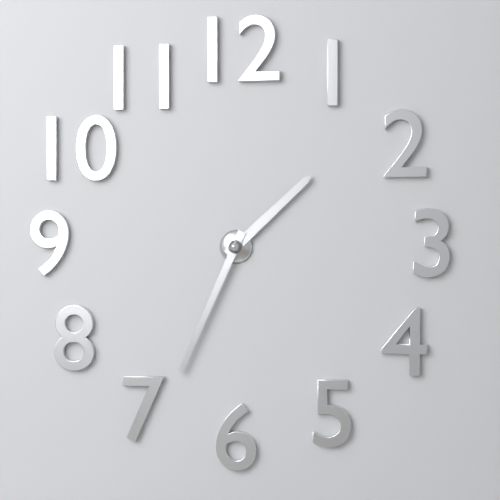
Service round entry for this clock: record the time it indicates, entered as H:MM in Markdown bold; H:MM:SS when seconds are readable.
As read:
**1:34**
